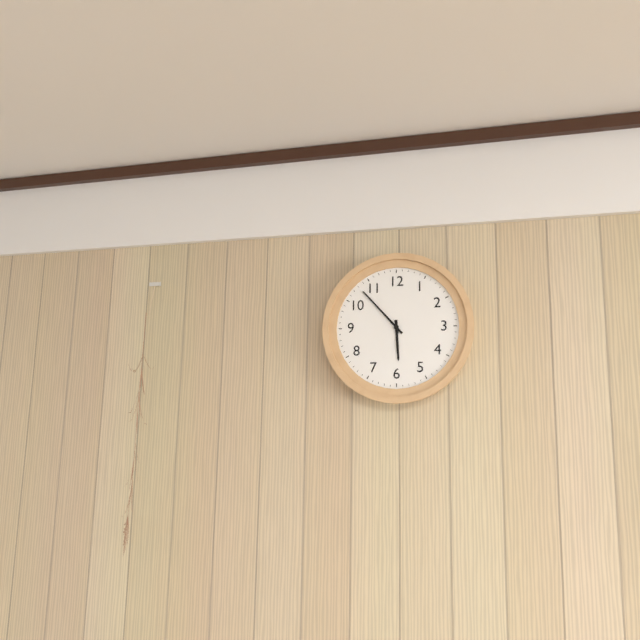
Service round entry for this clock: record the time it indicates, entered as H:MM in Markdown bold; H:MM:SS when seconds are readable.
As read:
**5:53**
